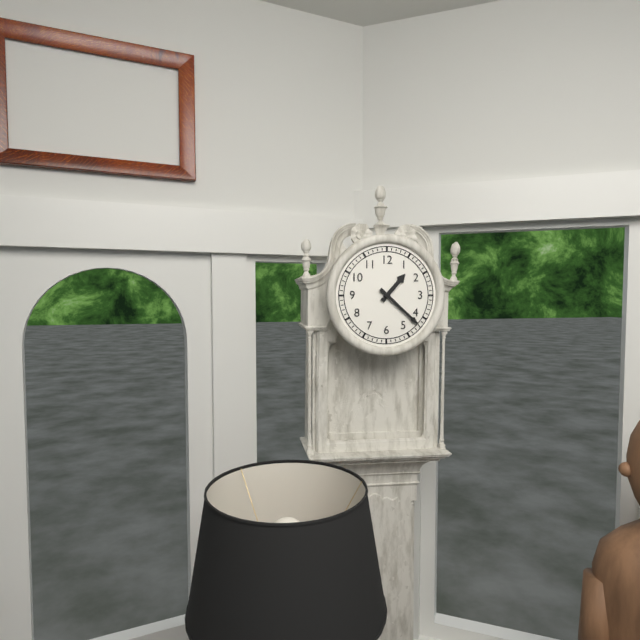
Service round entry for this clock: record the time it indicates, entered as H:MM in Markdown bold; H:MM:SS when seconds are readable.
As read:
**1:22**
